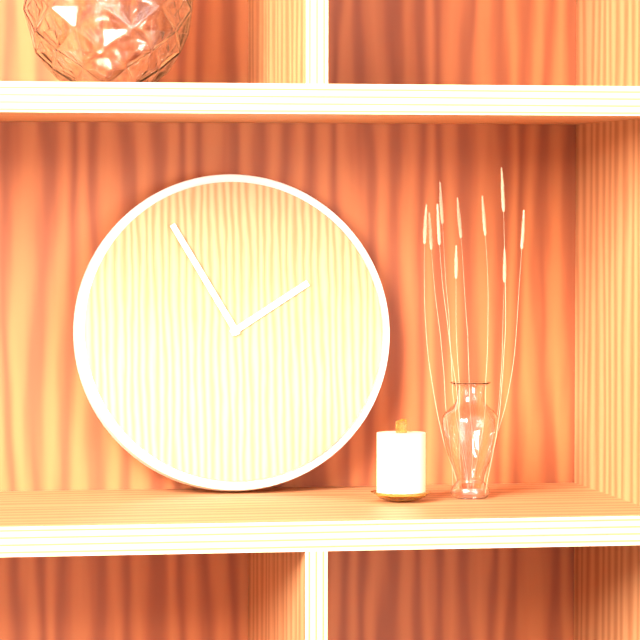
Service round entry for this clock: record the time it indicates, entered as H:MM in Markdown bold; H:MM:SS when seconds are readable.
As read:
**1:55**
